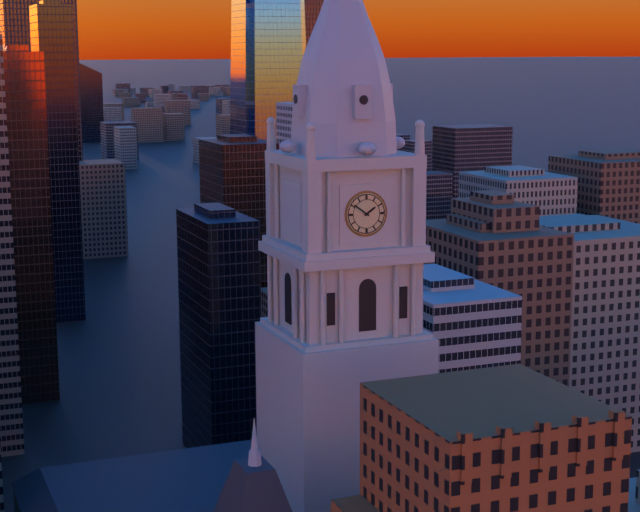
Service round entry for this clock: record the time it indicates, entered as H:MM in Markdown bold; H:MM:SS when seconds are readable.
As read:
**1:51**
